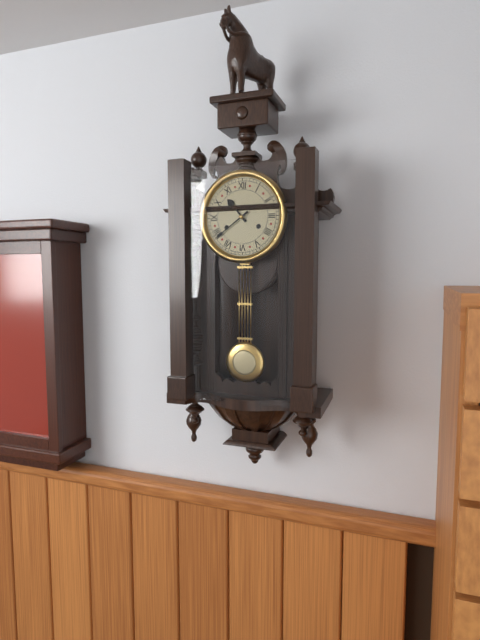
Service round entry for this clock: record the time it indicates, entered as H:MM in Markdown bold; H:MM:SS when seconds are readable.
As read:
**10:39**
